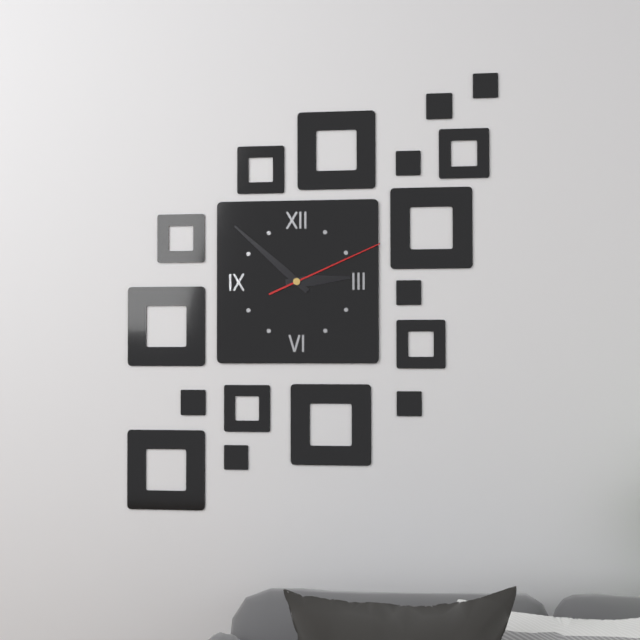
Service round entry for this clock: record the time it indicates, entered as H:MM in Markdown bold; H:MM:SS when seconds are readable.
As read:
**2:52:11**
